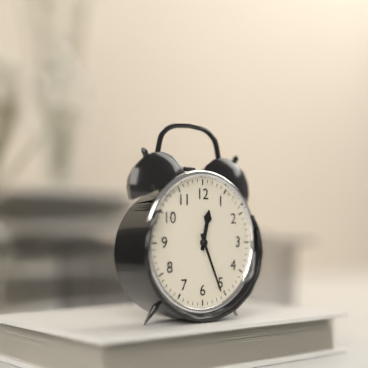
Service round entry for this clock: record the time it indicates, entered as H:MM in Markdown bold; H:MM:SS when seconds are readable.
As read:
**12:26**
